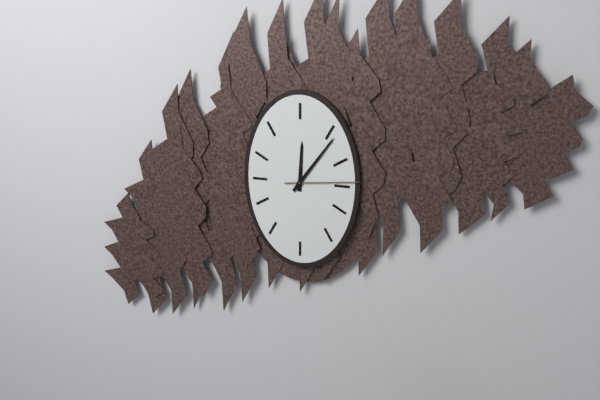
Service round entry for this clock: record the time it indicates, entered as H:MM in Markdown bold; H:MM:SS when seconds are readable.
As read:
**12:06:14**
